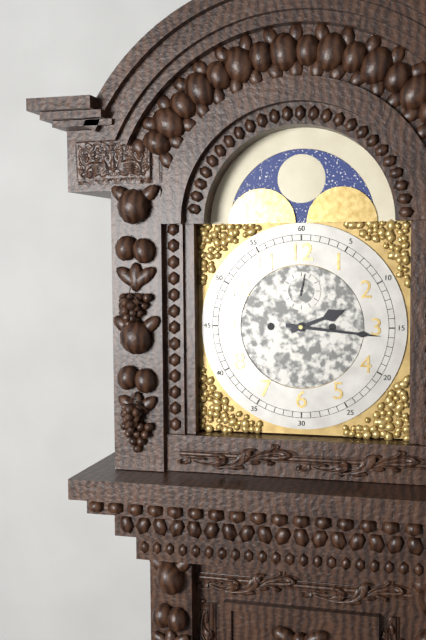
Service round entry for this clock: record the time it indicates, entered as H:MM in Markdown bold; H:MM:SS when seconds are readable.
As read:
**2:16**
